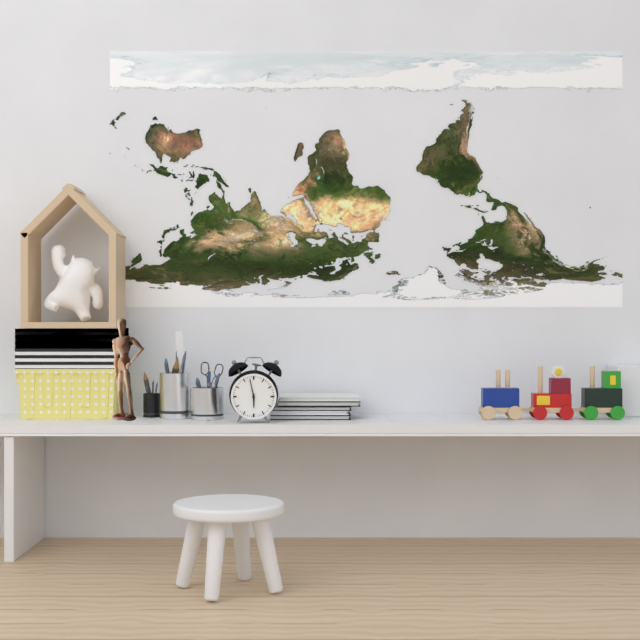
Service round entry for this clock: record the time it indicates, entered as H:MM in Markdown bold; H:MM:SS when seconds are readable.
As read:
**5:58**
